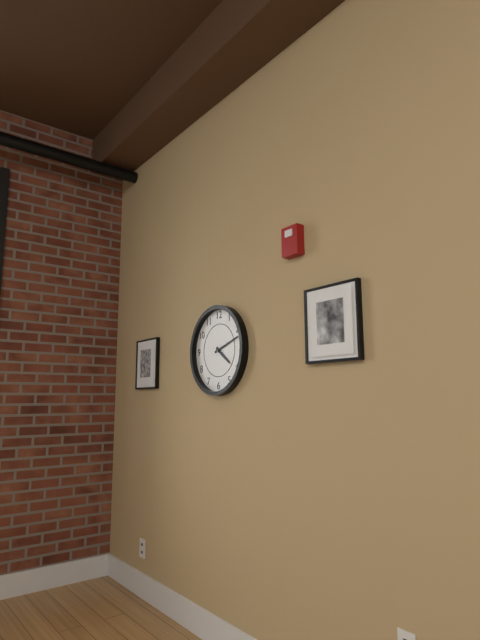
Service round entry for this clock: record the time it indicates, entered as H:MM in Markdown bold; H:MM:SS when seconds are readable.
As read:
**4:12**
